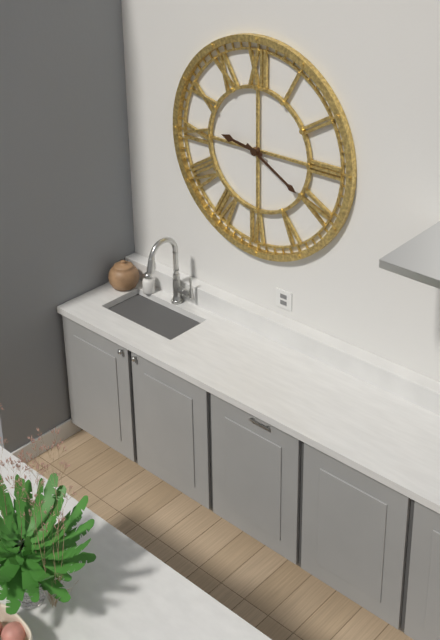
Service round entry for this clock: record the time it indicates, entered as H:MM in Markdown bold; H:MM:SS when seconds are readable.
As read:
**9:20**
